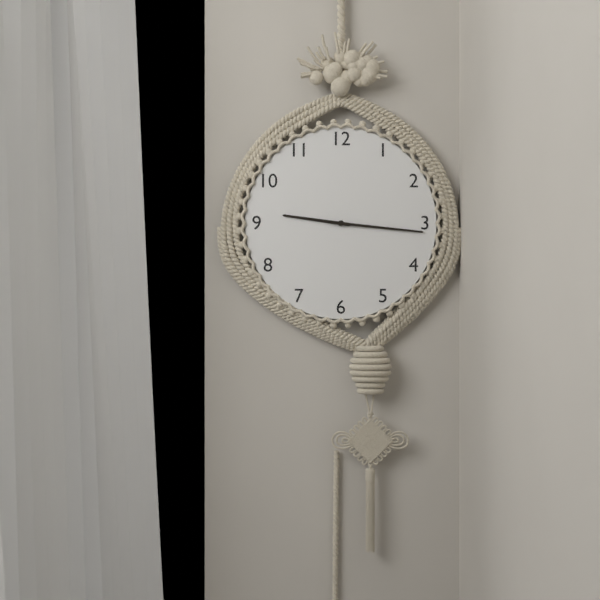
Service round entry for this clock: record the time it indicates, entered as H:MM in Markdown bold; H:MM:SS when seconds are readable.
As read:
**9:16**
